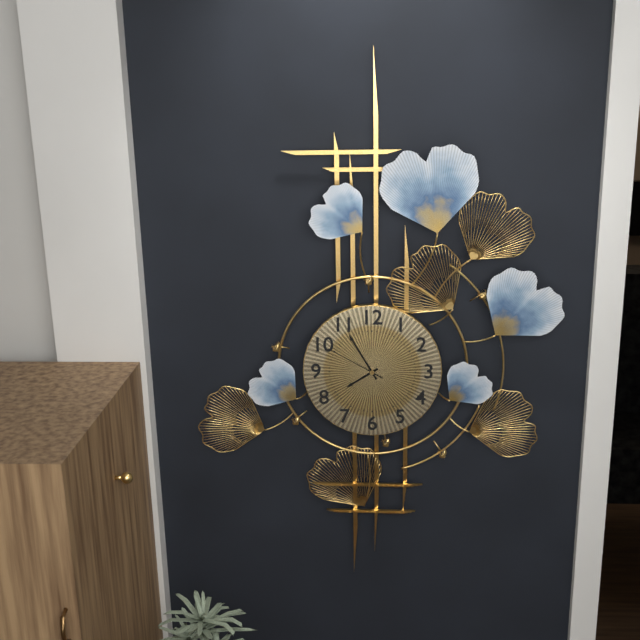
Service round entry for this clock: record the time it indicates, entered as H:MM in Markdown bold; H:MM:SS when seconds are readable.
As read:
**7:55:50**
